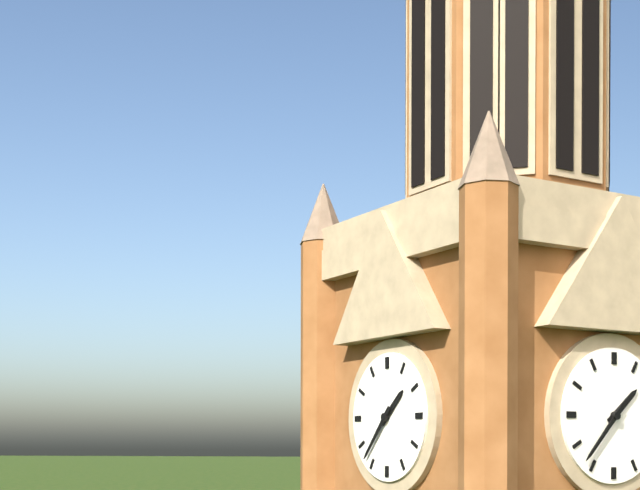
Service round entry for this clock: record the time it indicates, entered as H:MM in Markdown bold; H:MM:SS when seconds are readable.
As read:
**1:37**
